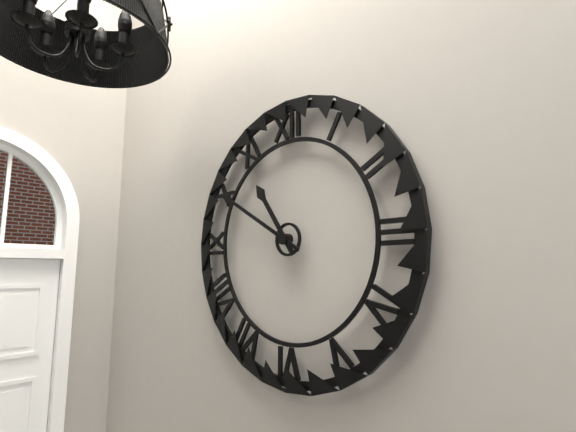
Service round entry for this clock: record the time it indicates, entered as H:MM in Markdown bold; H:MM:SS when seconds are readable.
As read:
**10:50**
